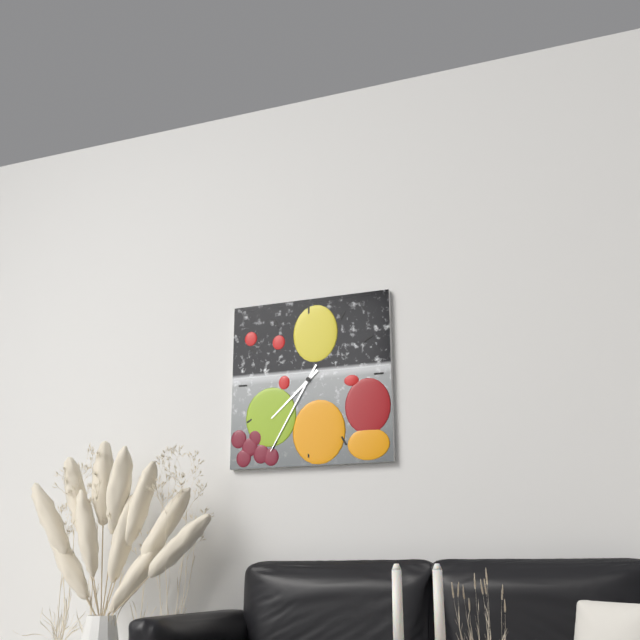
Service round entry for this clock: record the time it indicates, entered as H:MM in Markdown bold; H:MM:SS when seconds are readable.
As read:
**7:35**
